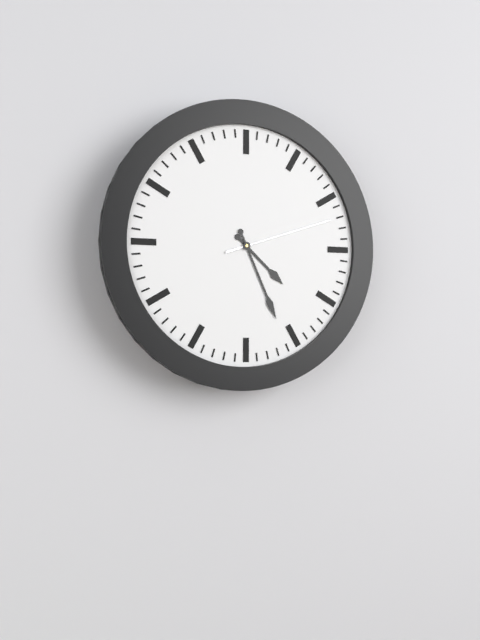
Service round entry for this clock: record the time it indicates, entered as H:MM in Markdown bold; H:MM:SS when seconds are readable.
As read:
**4:26:12**
